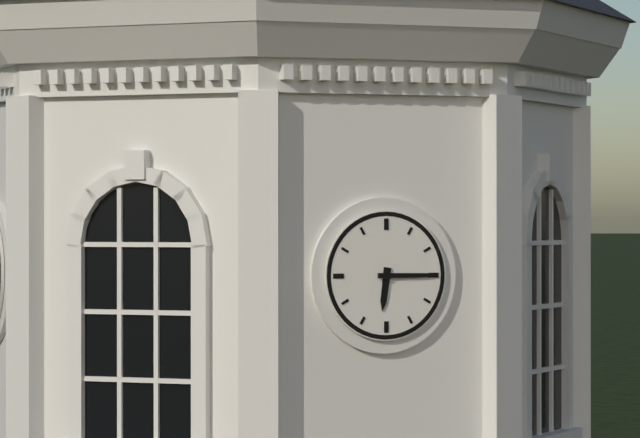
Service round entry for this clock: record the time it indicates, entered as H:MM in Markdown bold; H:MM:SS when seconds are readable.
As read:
**6:15**
